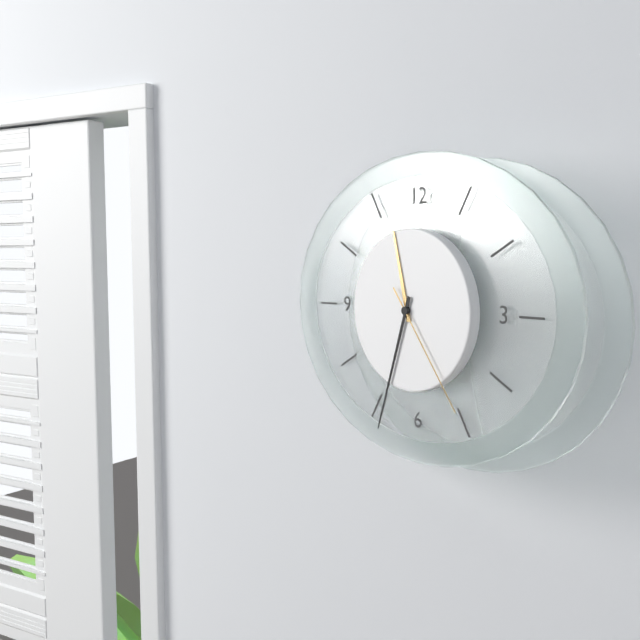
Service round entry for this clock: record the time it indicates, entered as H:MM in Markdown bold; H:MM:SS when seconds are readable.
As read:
**11:33:24**
